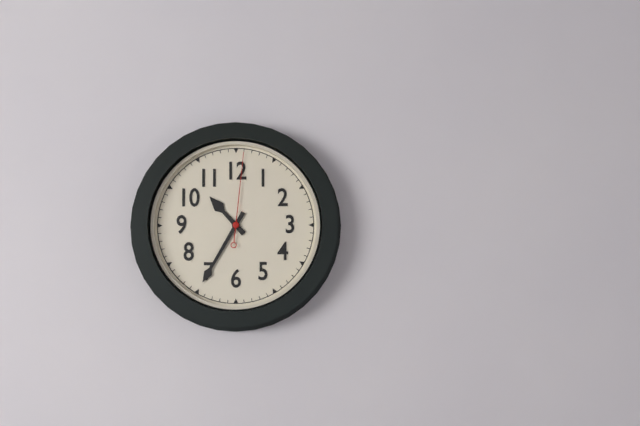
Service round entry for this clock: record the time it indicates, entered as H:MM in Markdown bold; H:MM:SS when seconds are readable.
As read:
**10:35:01**
